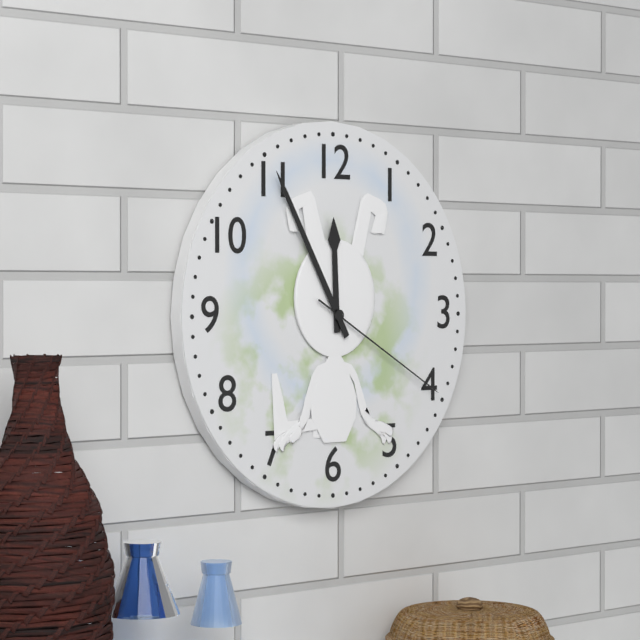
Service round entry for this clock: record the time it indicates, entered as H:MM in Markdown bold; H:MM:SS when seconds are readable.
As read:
**11:55:20**
